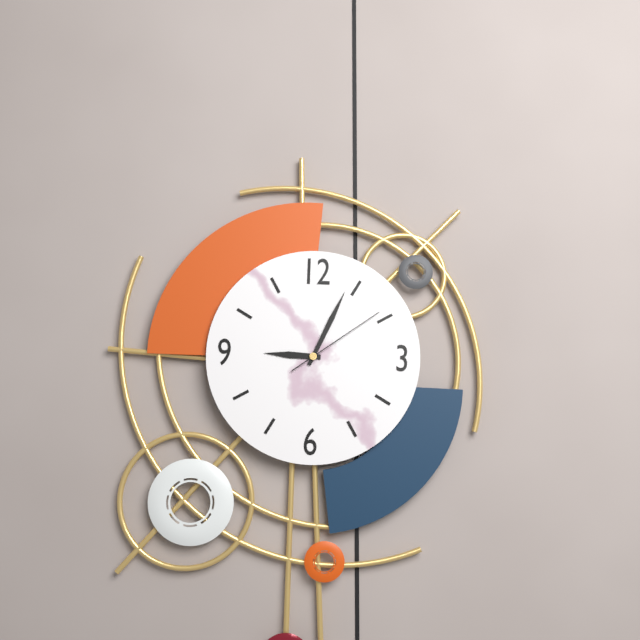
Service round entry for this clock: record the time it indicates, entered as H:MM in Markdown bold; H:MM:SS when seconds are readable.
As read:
**9:04:09**
